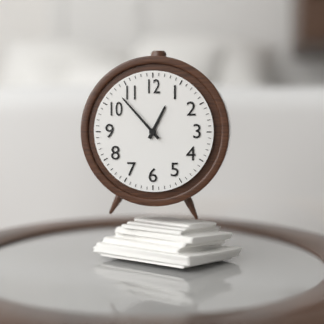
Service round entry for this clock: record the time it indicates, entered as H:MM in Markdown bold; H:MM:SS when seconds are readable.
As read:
**12:53**
